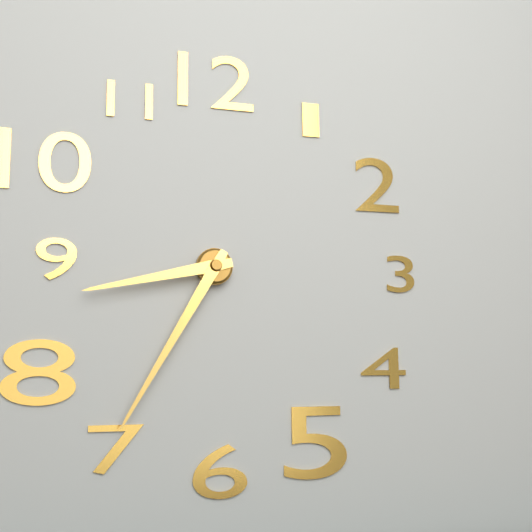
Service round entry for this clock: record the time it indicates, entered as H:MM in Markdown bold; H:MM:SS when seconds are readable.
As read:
**8:35**
